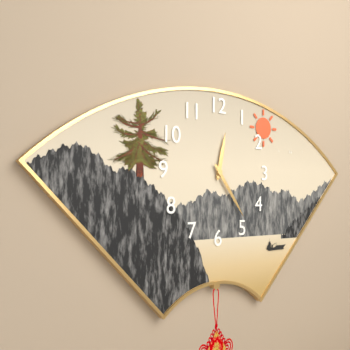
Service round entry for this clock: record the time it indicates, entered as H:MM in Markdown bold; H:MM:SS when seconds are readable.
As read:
**12:24**
